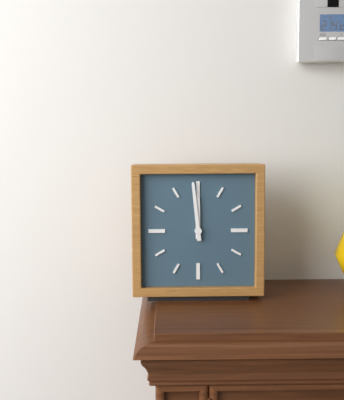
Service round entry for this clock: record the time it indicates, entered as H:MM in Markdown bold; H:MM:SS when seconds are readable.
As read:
**11:59**
